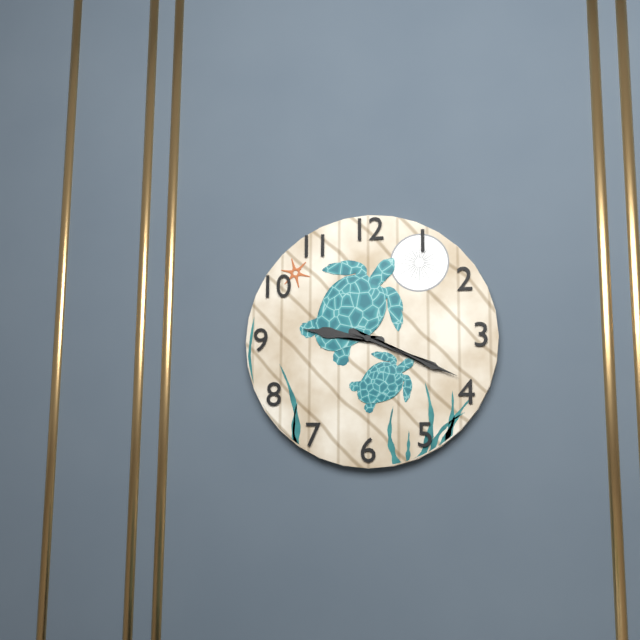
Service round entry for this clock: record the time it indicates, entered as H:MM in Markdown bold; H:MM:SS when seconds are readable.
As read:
**9:19**
